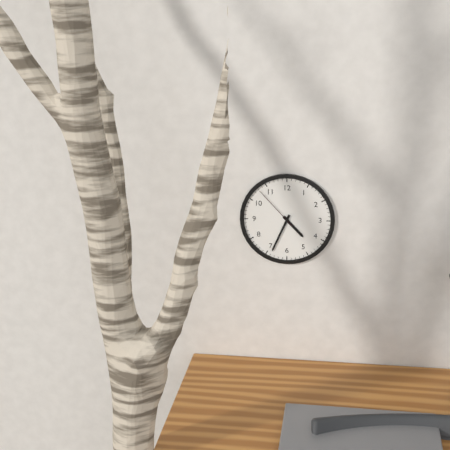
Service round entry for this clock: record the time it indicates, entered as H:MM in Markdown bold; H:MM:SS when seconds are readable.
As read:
**4:34**
